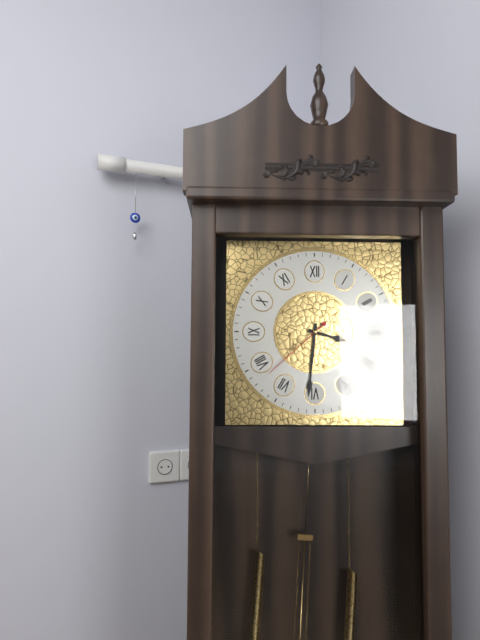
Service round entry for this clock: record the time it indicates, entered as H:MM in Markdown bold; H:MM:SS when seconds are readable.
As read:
**3:31:38**
